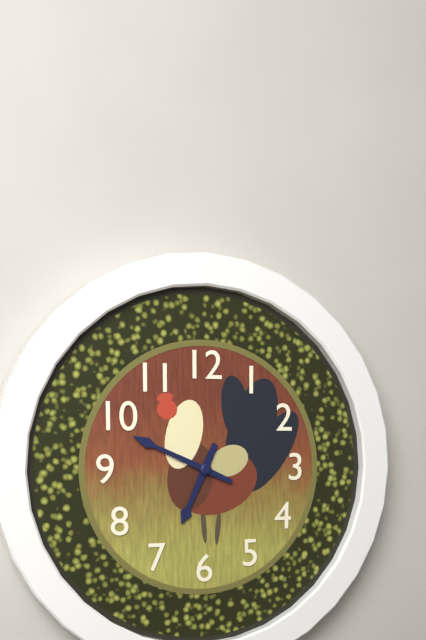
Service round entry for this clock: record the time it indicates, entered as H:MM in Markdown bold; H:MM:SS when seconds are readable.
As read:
**6:49**
